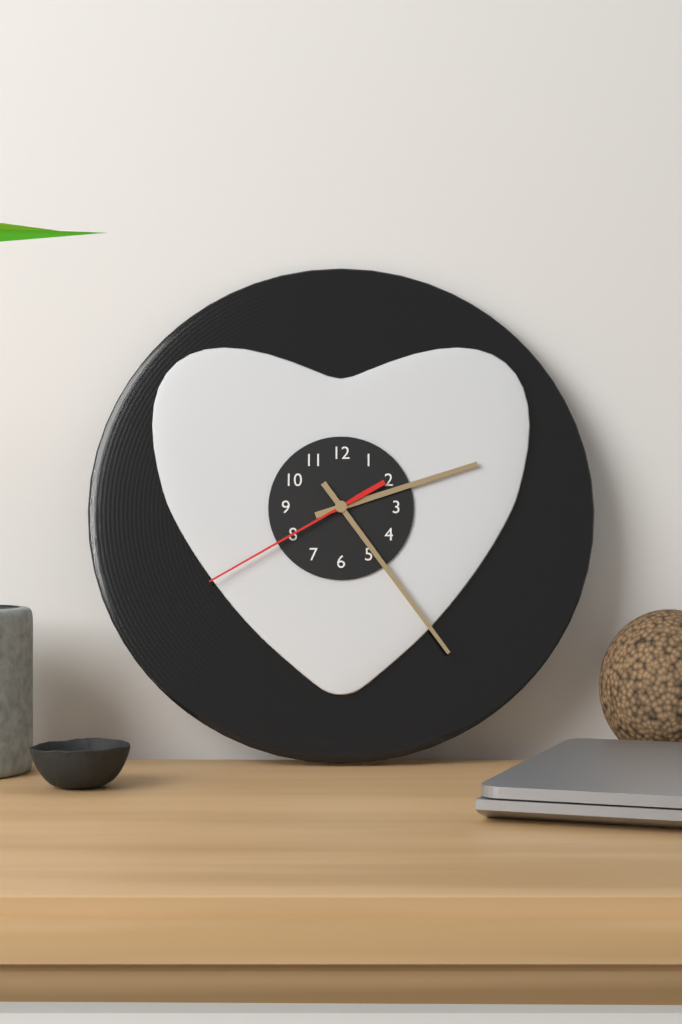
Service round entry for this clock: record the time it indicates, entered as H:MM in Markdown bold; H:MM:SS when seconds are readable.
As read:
**2:24:40**
